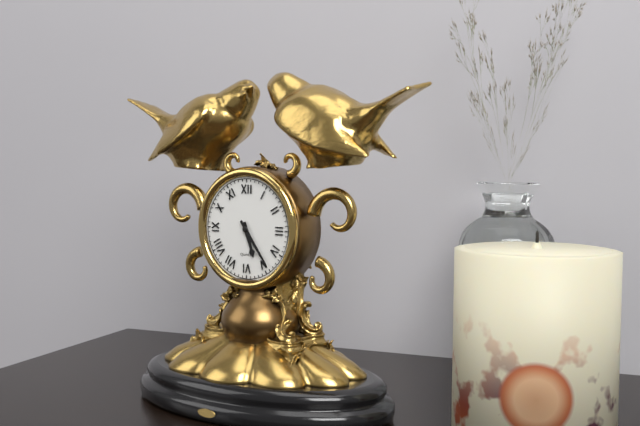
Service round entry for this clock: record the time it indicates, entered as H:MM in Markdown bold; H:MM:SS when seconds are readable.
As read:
**5:24**
